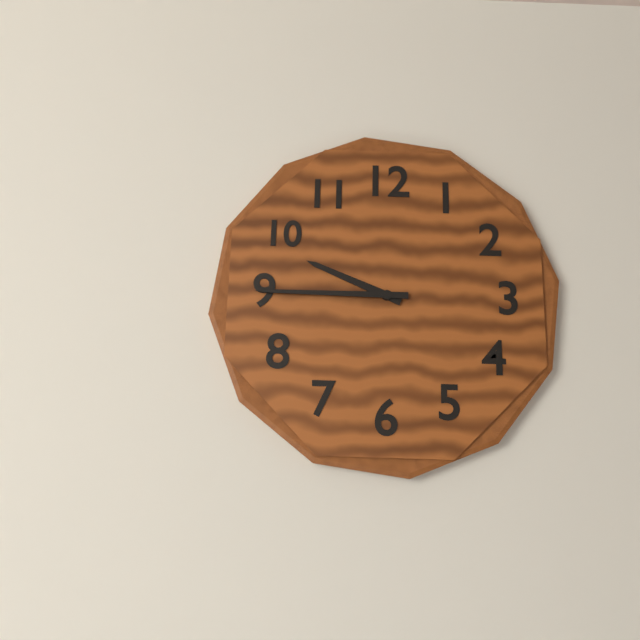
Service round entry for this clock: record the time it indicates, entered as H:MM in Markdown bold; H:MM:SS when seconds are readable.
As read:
**9:45**
